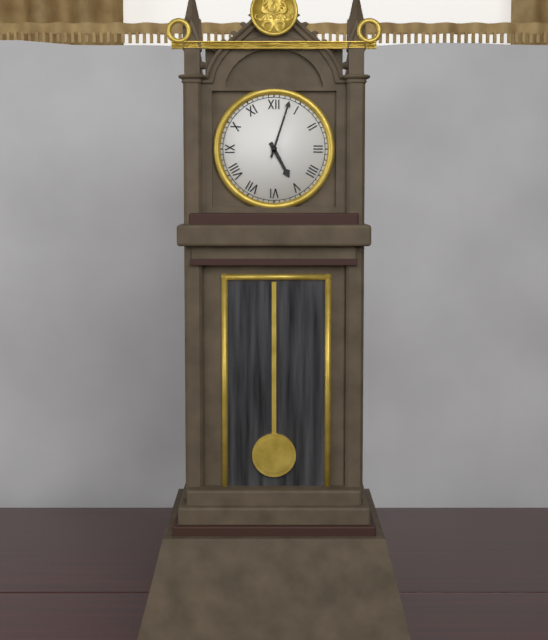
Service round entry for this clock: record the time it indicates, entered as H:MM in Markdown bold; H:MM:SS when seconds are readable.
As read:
**5:03**
